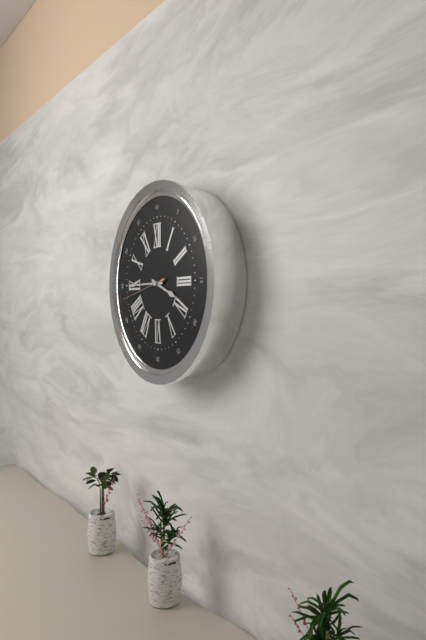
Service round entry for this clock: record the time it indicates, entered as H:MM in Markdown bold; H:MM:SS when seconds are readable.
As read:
**3:45**
